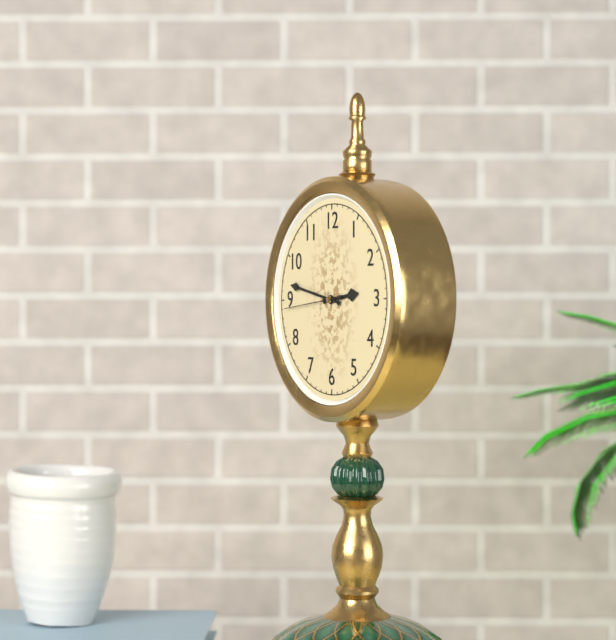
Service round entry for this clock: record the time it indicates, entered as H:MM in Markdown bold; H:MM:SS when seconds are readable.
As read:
**2:47:44**
